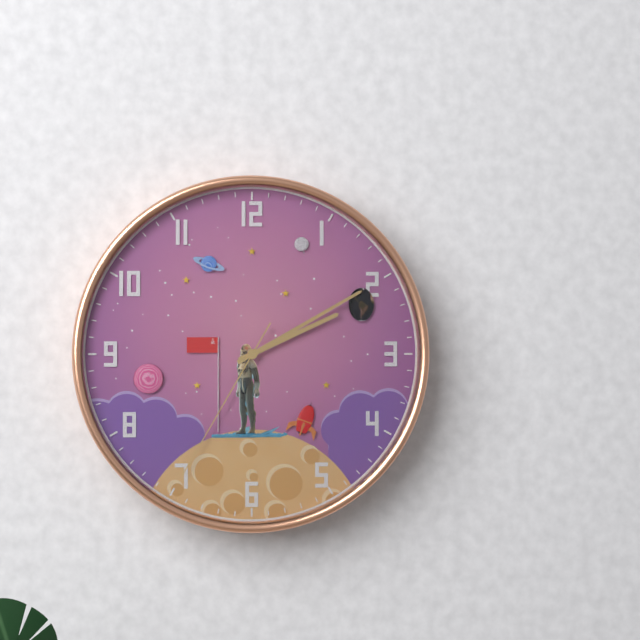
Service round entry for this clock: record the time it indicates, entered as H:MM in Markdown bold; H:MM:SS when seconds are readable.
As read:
**2:10:35**
